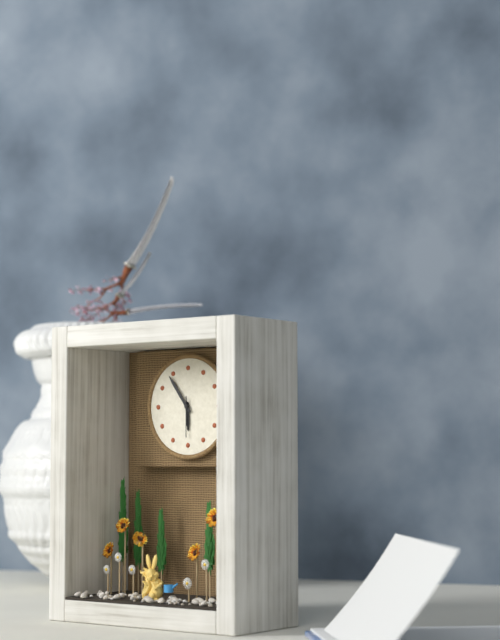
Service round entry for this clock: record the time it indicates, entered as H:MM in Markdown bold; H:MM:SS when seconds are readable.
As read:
**5:54**
